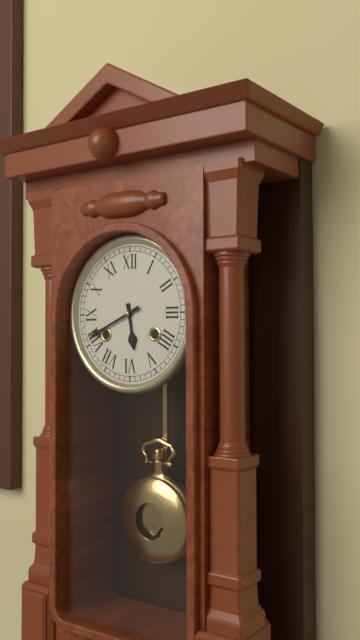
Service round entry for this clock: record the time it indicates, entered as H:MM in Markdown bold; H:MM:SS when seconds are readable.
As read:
**5:41**
